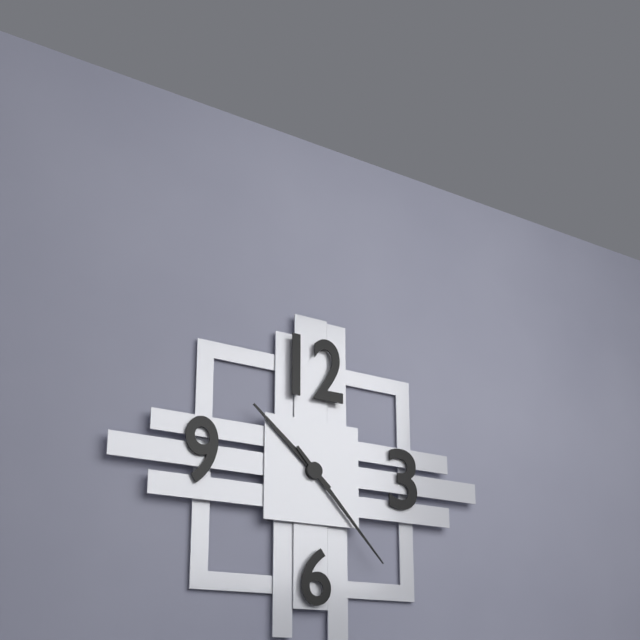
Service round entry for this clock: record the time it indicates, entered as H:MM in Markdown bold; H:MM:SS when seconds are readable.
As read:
**10:23**
